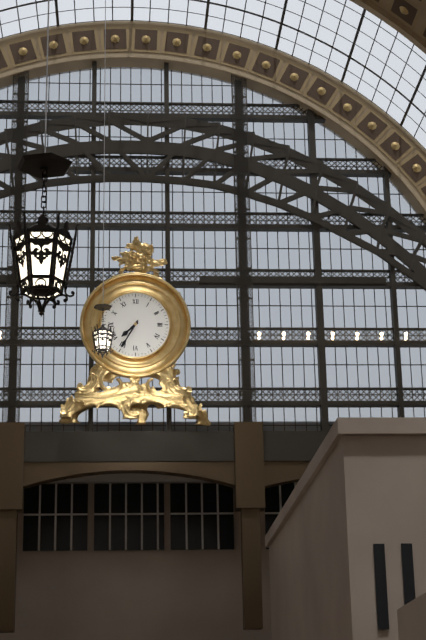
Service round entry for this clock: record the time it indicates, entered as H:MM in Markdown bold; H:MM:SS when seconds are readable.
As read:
**7:35**
